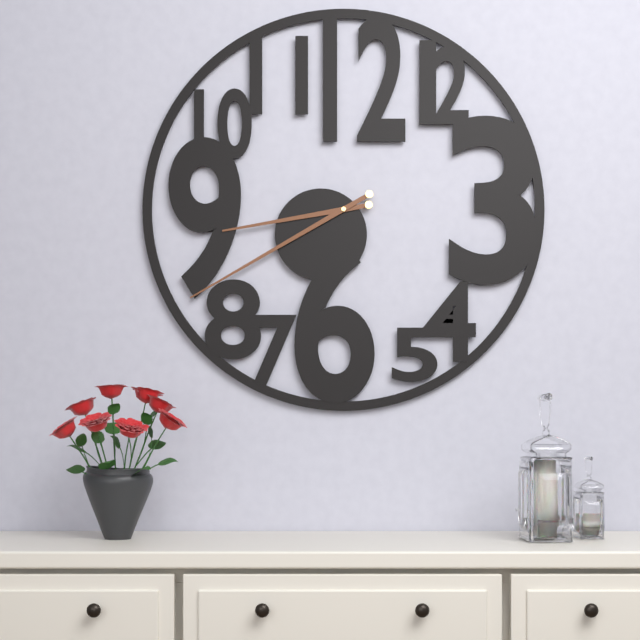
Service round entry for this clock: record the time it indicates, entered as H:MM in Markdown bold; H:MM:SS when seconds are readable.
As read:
**8:40**
